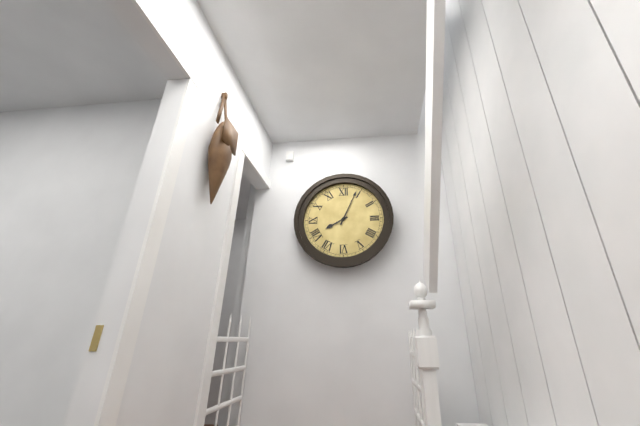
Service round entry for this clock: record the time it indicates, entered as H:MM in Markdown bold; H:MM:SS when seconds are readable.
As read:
**8:04**
